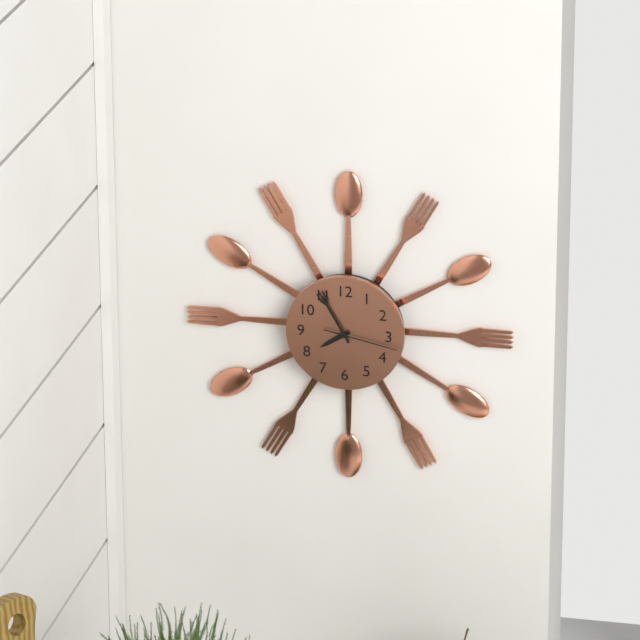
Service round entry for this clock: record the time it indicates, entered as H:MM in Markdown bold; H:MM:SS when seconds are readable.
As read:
**7:55:17**
